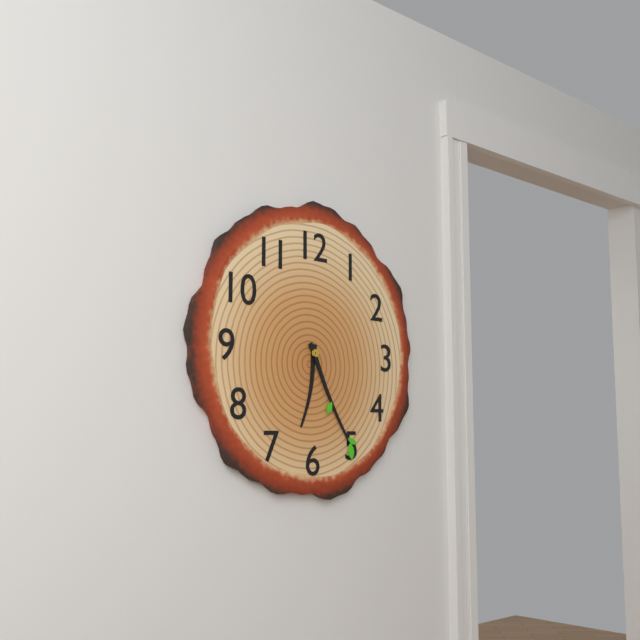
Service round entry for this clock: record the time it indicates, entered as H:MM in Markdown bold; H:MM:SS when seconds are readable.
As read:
**6:25**
